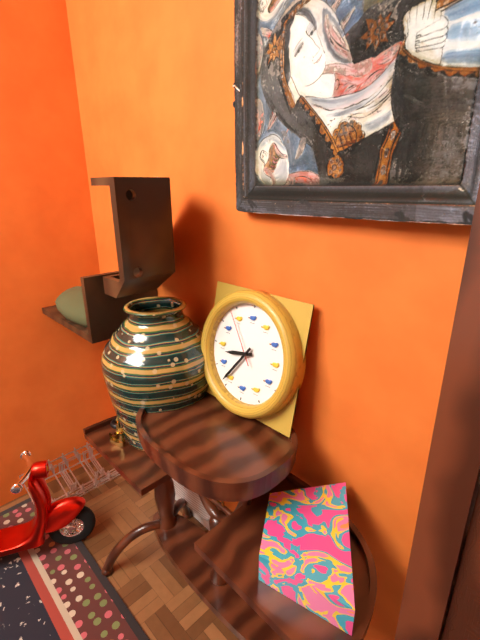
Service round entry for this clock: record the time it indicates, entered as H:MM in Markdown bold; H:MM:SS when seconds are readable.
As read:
**8:36:54**
